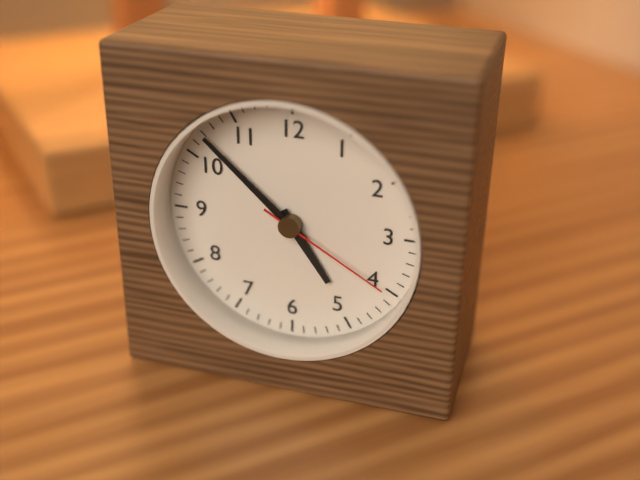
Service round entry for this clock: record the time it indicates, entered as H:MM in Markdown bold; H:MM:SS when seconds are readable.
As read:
**4:52:20**
